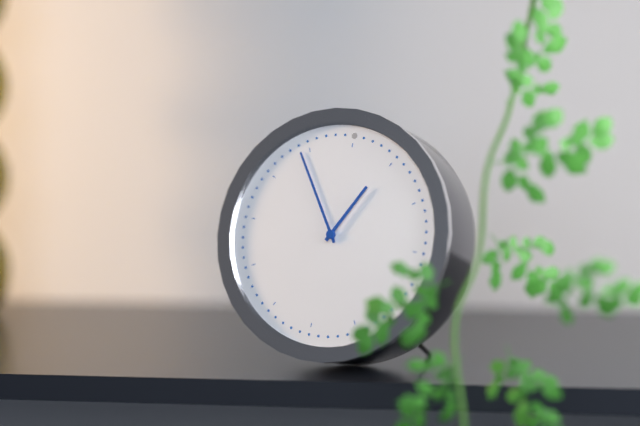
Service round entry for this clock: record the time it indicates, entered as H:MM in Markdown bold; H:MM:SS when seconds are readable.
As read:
**12:54**
